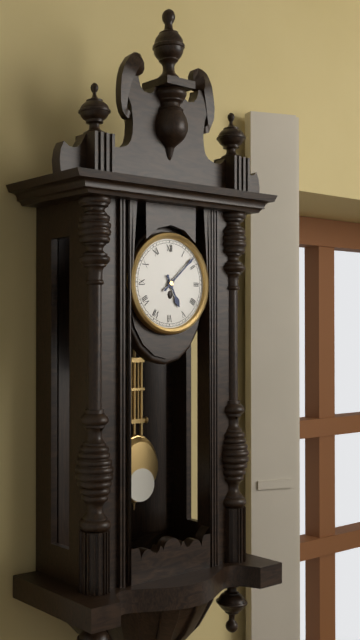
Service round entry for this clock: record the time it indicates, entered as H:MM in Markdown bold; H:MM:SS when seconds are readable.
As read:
**5:08**
